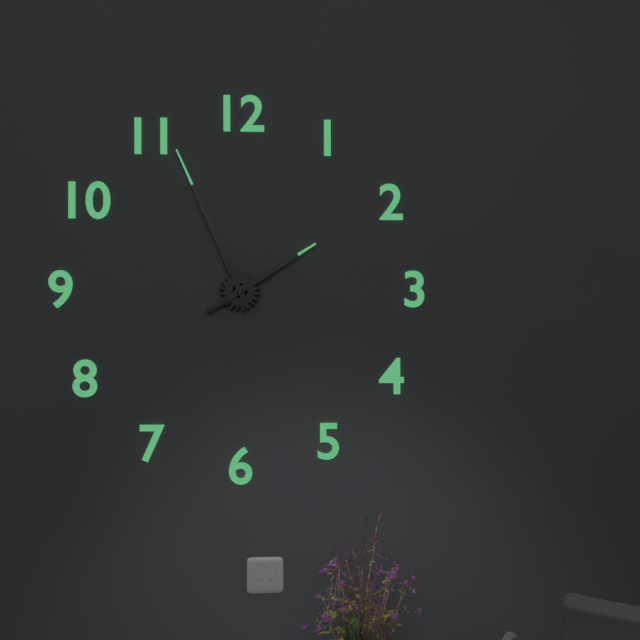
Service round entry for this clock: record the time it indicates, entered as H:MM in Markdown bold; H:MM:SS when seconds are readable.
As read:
**1:56**
